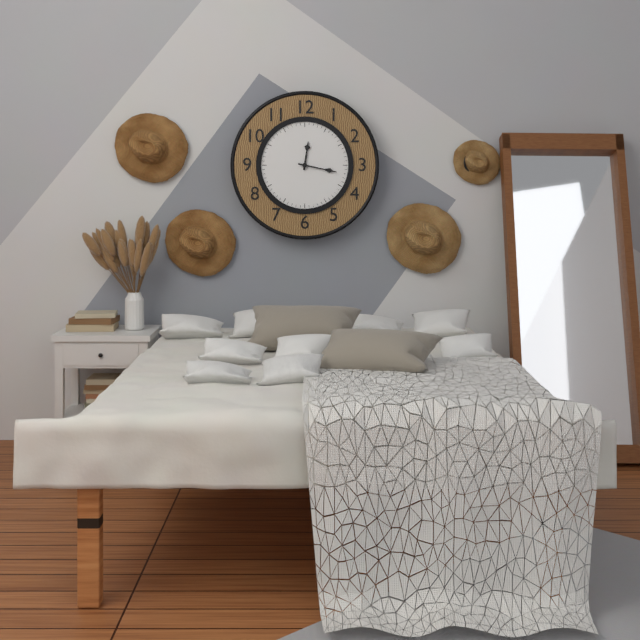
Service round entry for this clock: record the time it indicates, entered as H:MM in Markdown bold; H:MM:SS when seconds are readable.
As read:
**12:17**
